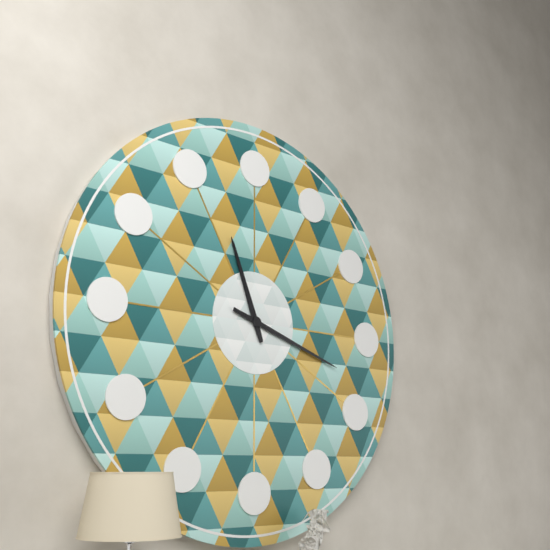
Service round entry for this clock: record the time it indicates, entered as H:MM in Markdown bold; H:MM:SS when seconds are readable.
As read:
**11:18**
